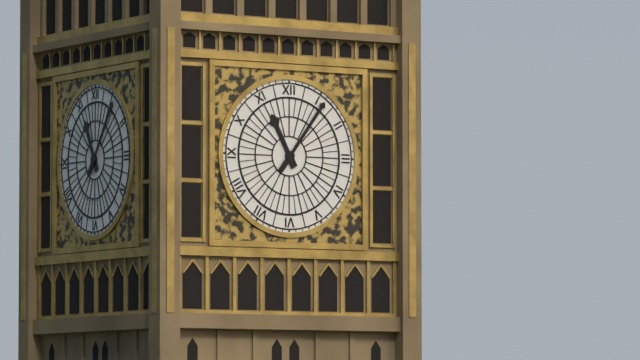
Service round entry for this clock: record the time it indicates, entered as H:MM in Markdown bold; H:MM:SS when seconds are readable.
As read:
**11:06**
